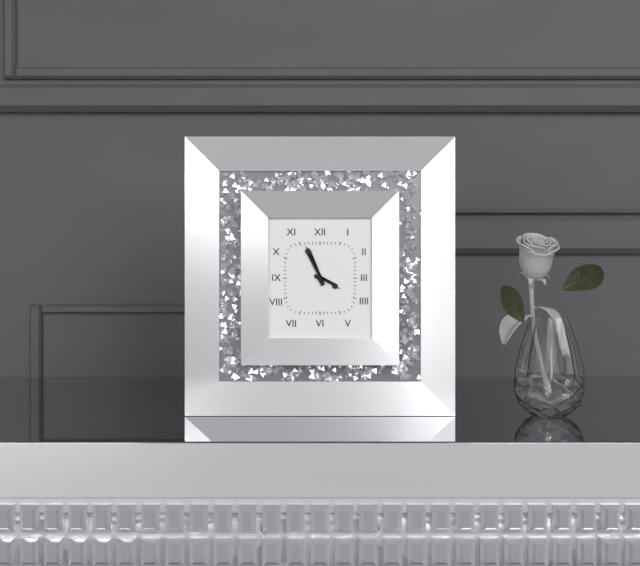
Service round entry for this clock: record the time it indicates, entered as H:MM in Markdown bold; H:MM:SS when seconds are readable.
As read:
**3:56**
